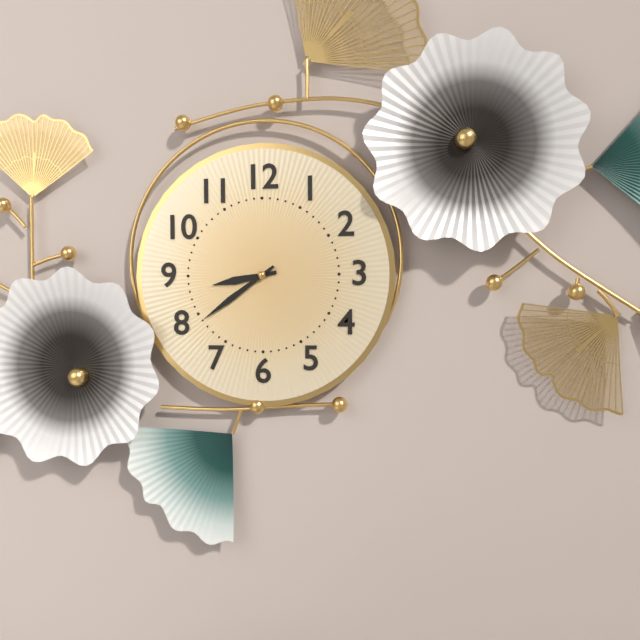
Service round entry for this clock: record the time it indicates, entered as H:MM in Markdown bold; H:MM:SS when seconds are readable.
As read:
**8:39**
